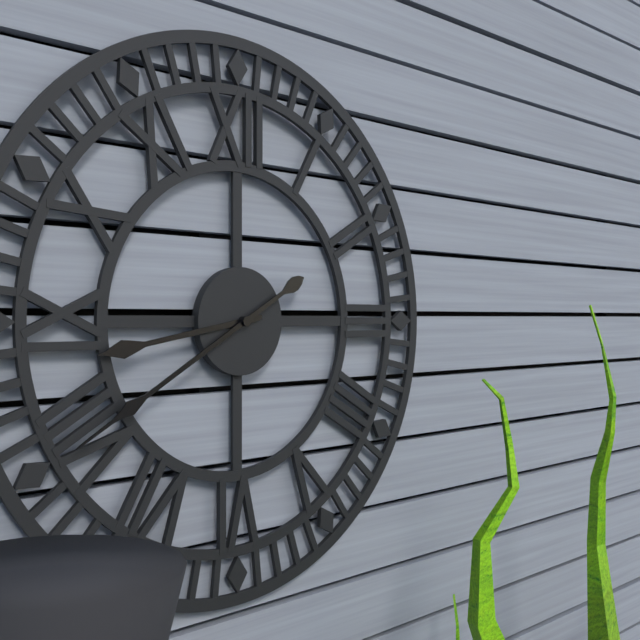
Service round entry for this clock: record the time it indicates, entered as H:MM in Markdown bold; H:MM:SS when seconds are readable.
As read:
**8:40**
